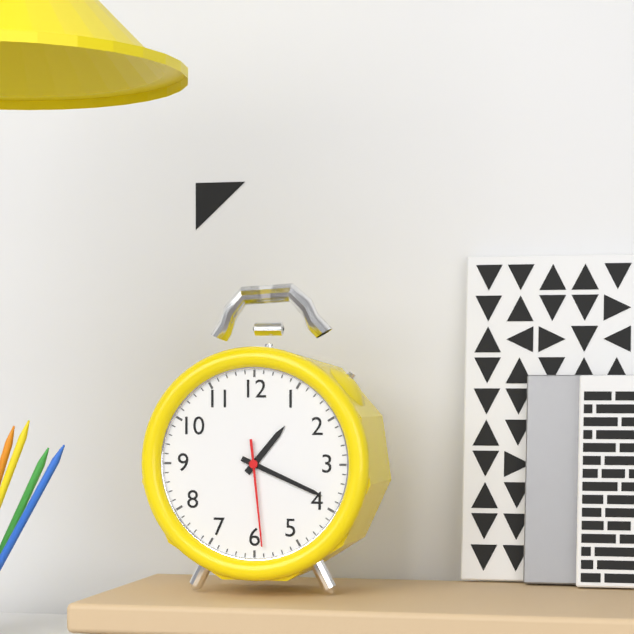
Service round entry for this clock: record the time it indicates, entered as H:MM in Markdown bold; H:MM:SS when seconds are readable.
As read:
**1:19:29**
